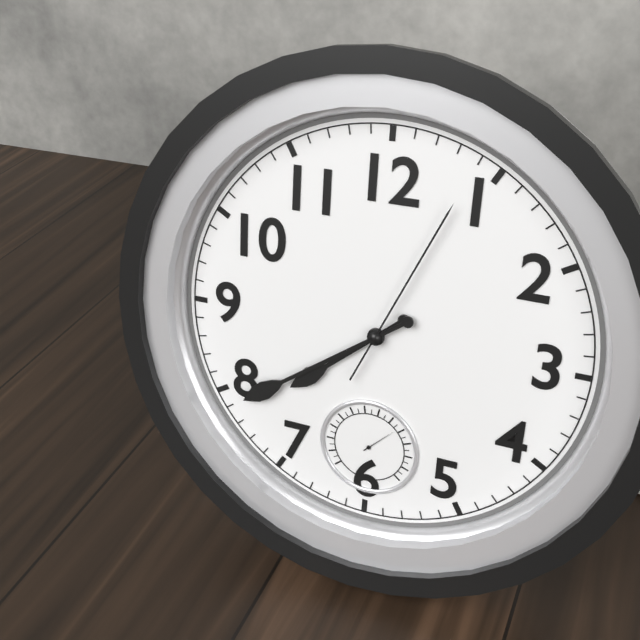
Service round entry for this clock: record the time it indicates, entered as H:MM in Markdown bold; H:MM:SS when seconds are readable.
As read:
**7:39:04**
